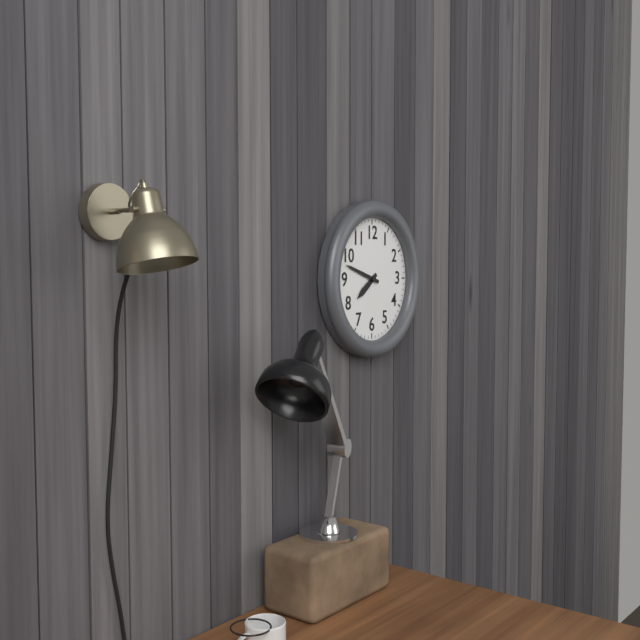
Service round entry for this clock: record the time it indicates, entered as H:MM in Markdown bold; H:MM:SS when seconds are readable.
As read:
**7:48**
